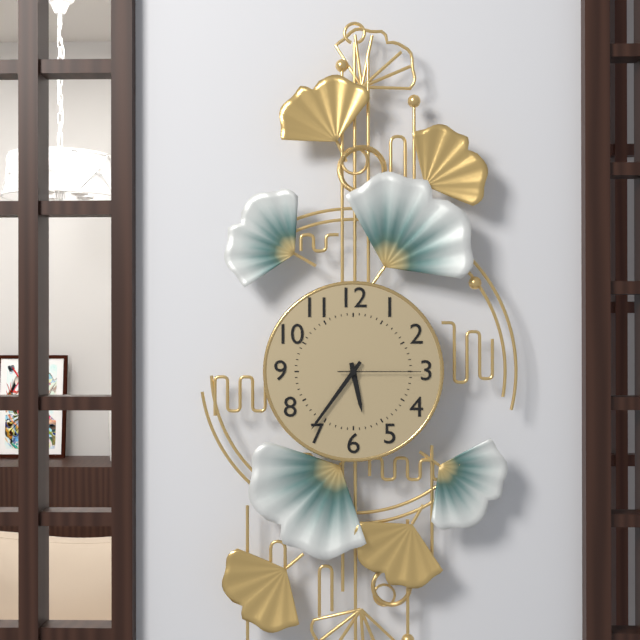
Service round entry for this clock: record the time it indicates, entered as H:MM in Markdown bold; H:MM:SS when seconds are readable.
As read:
**5:36:15**
